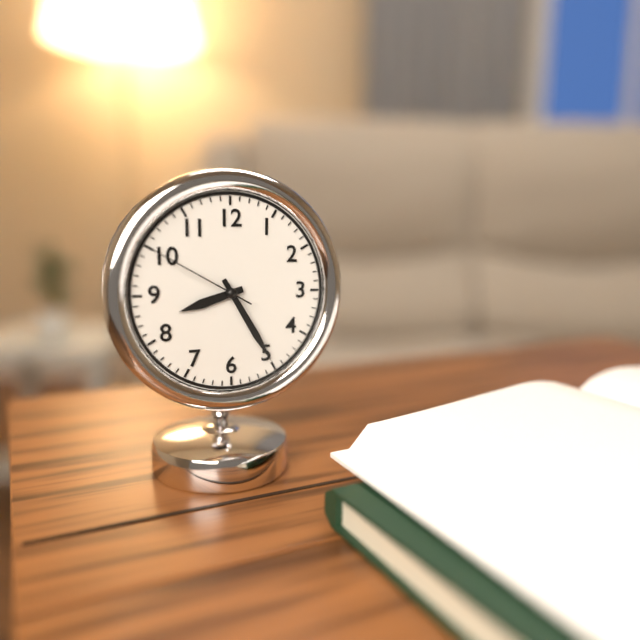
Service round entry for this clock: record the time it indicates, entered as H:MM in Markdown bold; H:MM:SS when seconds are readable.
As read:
**8:25:50**
